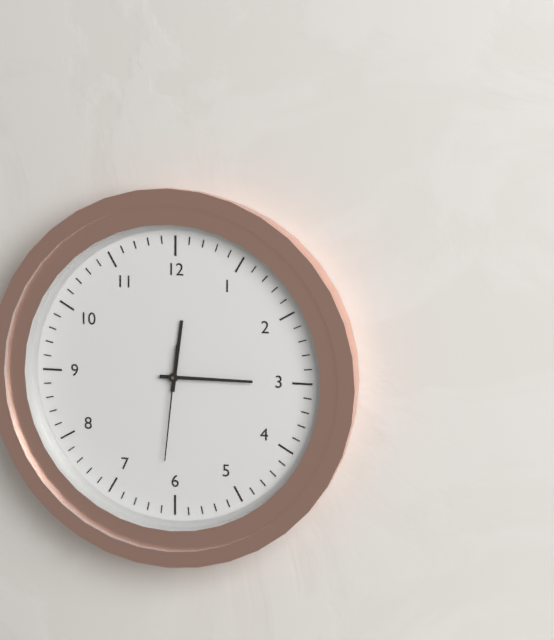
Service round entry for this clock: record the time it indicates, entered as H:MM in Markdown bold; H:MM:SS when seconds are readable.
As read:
**12:15:31**
